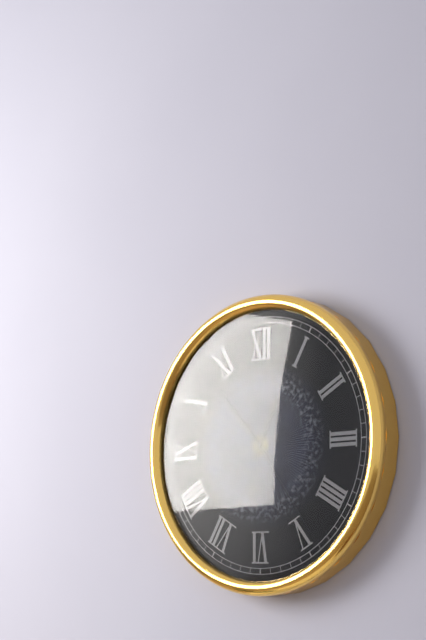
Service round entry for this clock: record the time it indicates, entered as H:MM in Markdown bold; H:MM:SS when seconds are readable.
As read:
**12:53:24**
